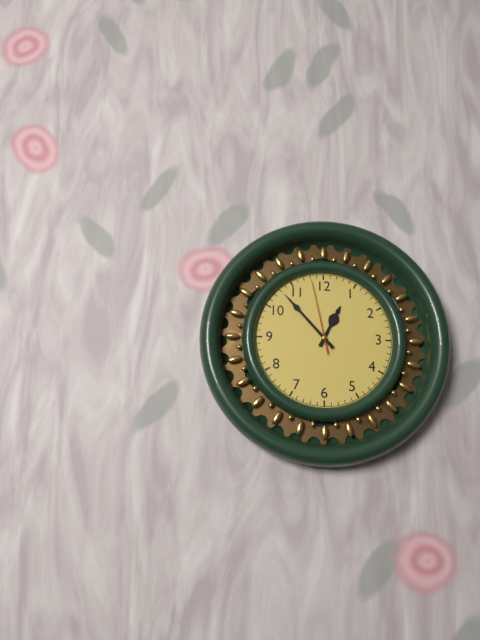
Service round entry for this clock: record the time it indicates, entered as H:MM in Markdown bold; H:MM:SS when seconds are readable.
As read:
**12:53:58**
